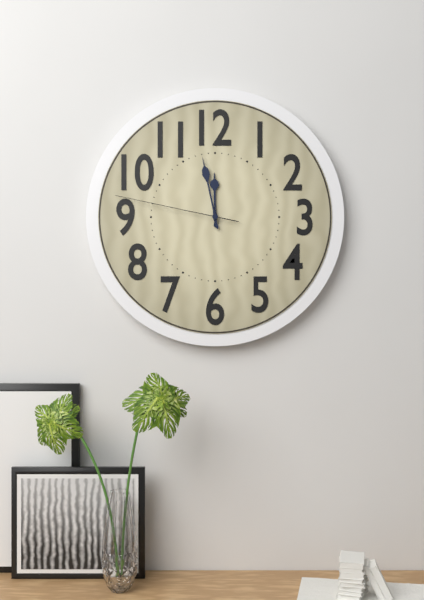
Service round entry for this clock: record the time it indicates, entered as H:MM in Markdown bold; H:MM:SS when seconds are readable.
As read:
**11:58:47**
